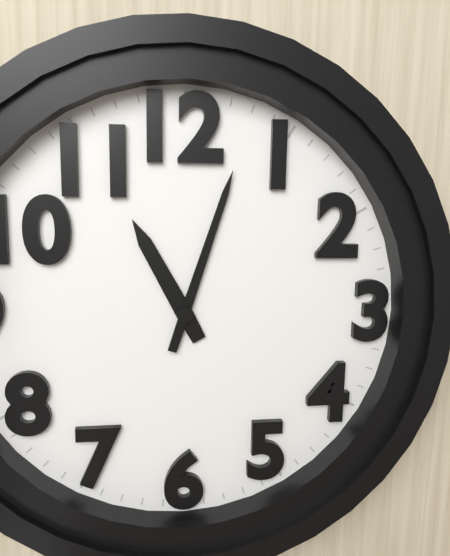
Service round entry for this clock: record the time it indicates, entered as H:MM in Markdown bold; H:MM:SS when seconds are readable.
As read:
**11:03**
